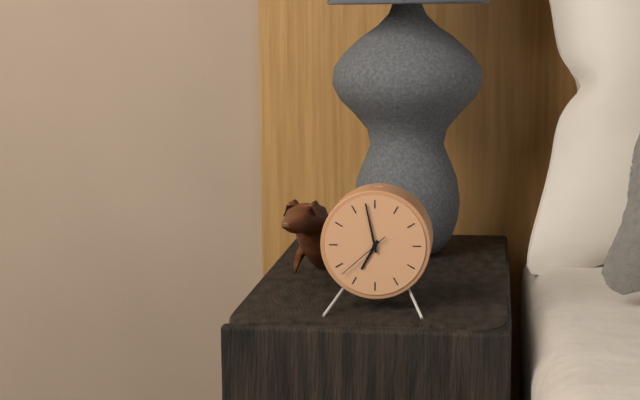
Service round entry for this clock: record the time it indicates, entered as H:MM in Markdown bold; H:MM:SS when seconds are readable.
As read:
**6:58:38**
